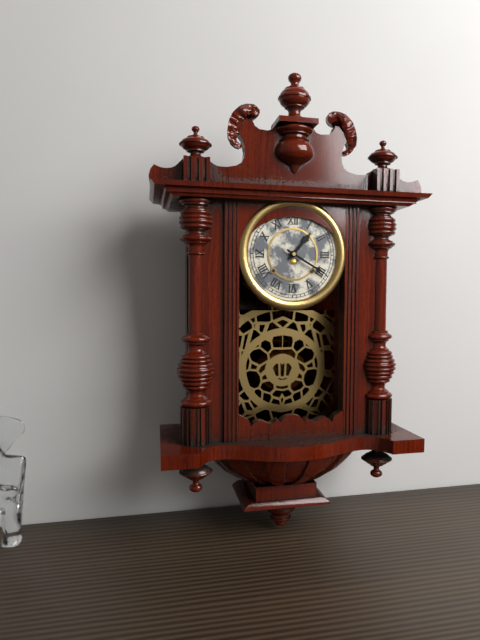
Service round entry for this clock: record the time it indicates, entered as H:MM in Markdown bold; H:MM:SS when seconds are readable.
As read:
**1:20**
